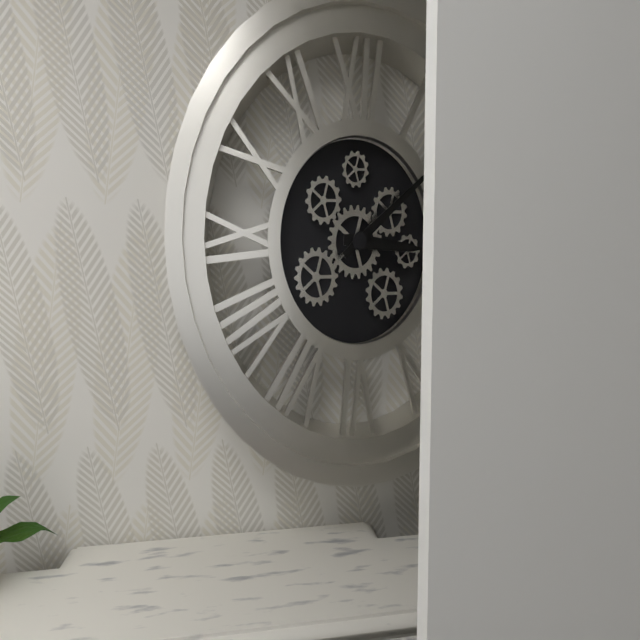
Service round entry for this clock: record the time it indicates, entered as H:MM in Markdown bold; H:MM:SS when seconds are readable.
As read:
**3:09**
